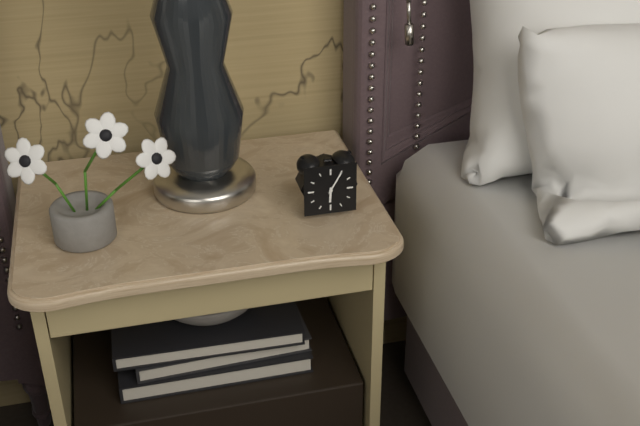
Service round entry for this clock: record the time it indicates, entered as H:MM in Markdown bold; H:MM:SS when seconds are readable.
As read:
**6:05**
